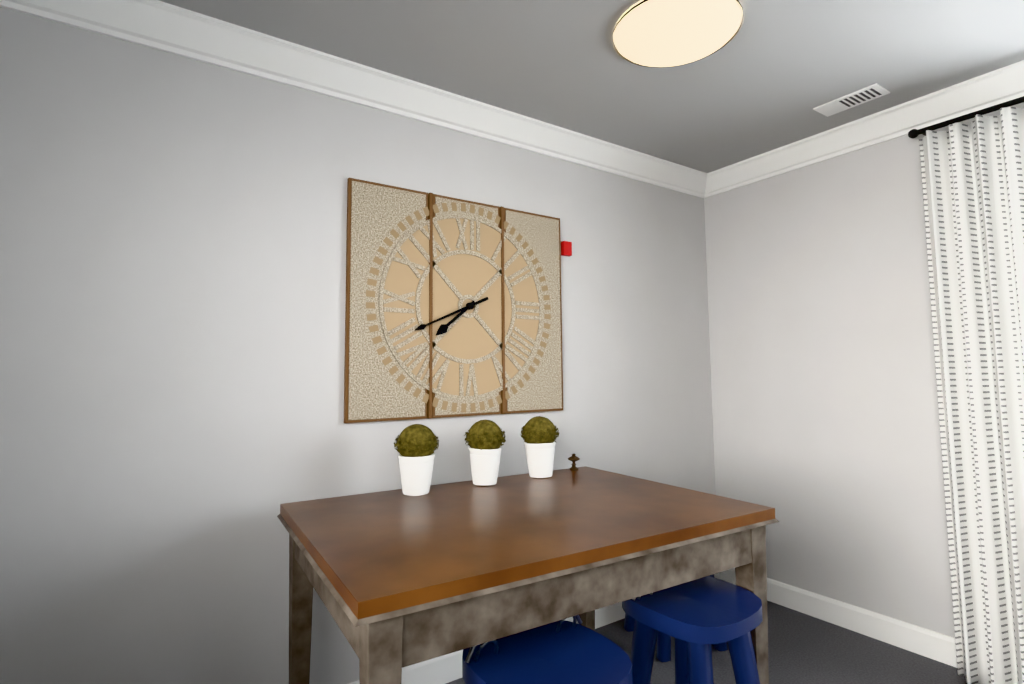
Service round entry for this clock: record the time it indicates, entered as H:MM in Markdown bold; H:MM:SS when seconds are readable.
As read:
**7:41**
